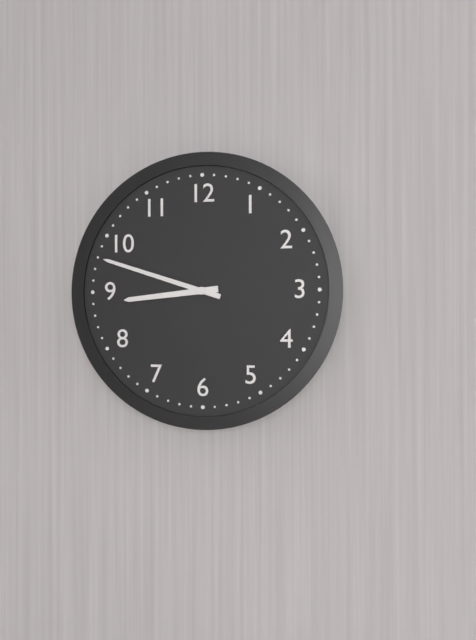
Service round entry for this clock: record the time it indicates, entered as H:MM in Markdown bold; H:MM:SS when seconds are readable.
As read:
**8:48**
